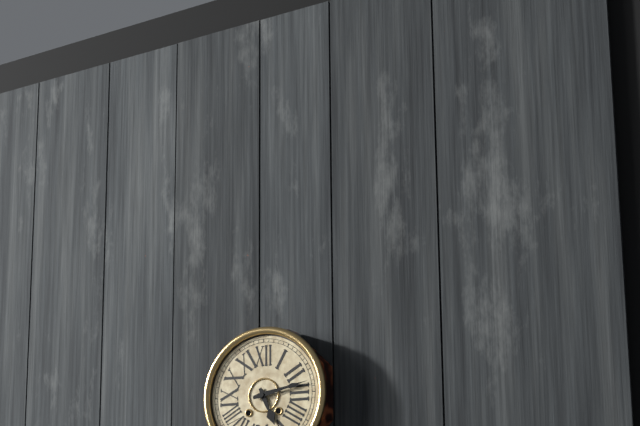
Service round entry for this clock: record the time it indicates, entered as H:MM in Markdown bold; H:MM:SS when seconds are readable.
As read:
**5:13**
